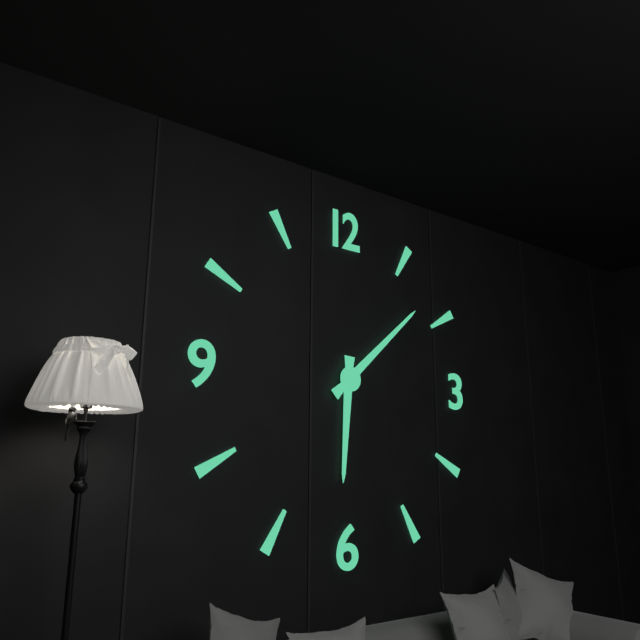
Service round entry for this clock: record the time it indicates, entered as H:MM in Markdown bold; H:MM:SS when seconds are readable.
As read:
**6:08**
